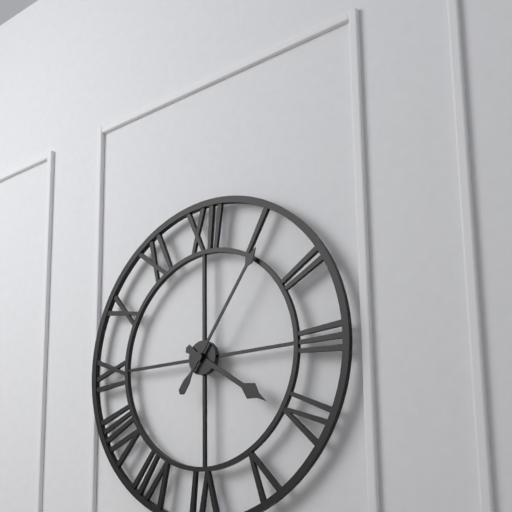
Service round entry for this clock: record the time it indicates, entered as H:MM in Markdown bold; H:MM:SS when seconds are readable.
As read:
**4:06**
